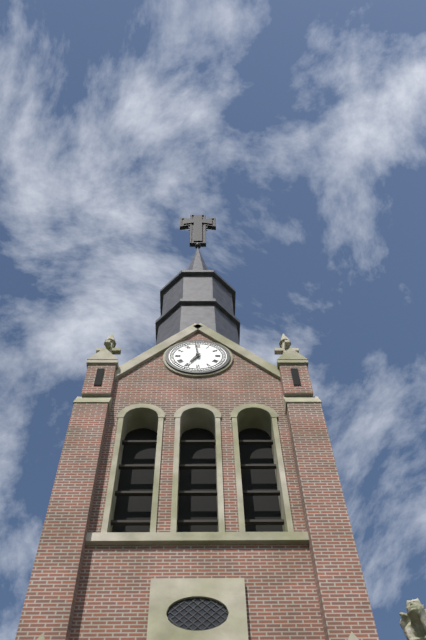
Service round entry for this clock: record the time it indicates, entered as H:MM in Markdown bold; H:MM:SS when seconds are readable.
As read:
**6:59**
